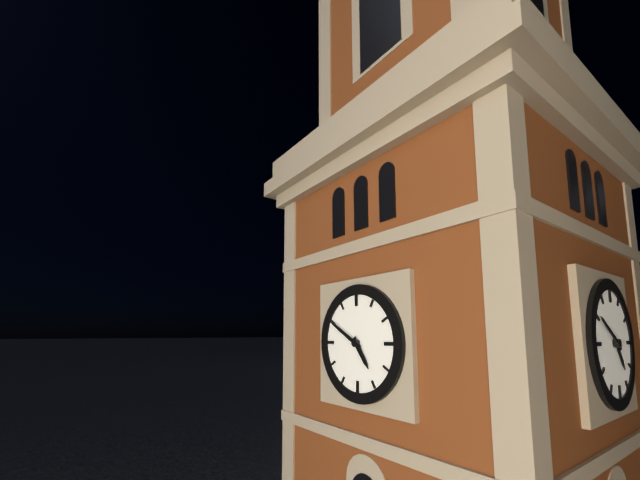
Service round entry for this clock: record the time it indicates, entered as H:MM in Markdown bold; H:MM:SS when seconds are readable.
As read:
**4:50**
